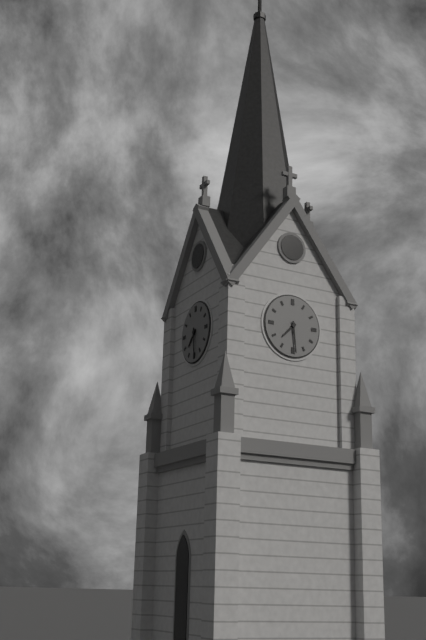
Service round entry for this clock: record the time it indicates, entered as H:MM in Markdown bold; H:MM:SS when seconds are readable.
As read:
**7:29**
